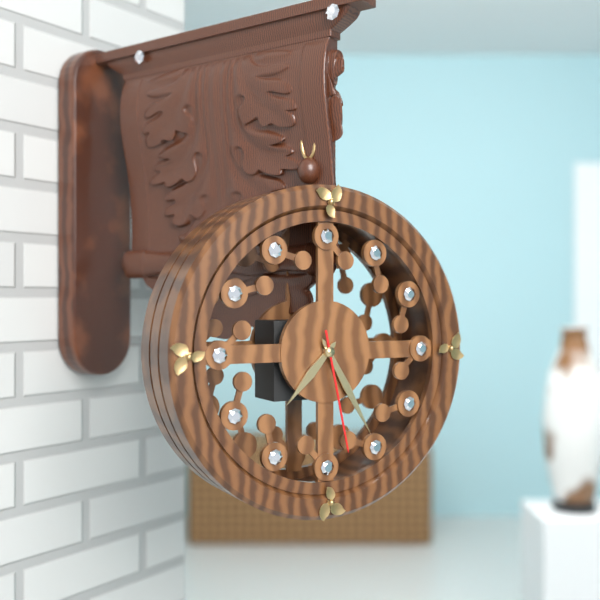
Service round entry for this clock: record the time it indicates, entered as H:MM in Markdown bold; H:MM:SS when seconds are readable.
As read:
**7:25:28**
